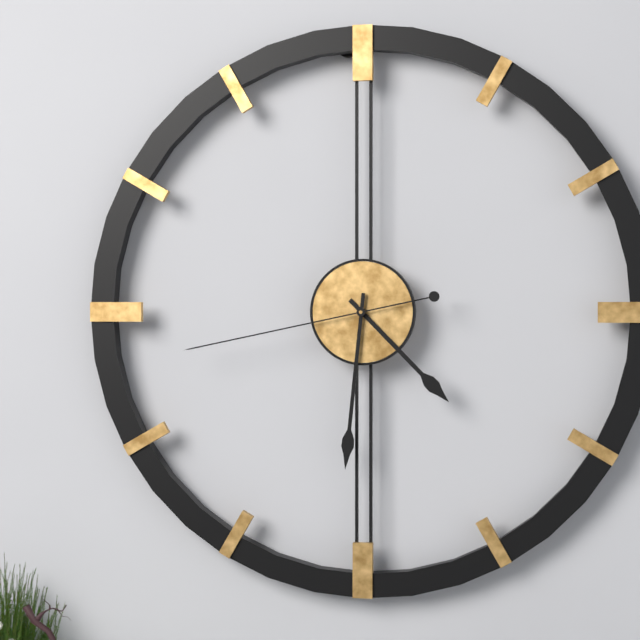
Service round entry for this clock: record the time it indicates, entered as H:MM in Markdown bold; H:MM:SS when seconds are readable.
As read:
**4:31:43**
